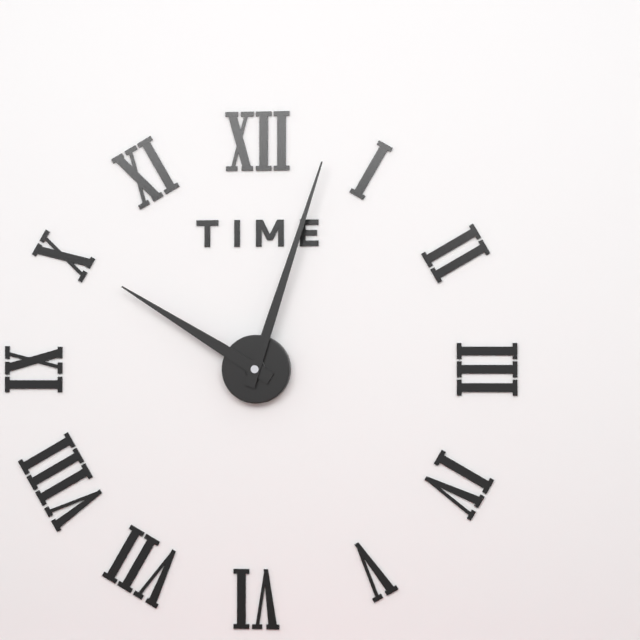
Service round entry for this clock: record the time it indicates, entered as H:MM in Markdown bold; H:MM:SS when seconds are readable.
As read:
**10:03**
